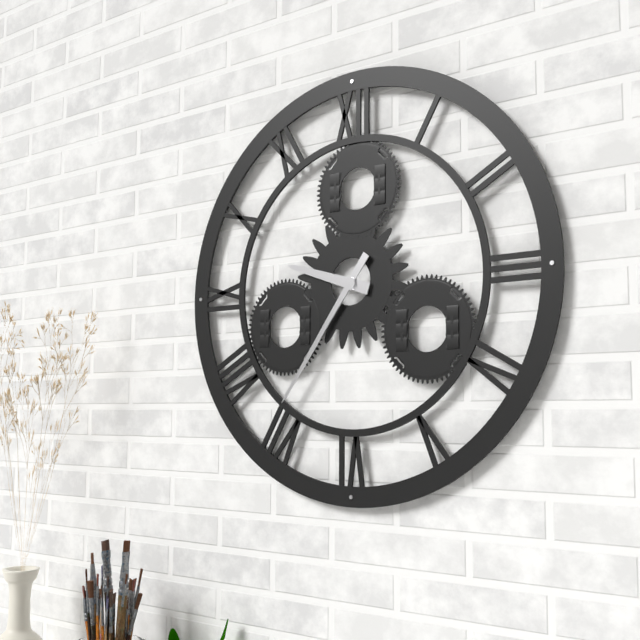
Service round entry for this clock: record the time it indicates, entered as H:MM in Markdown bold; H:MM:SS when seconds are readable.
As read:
**9:36**
